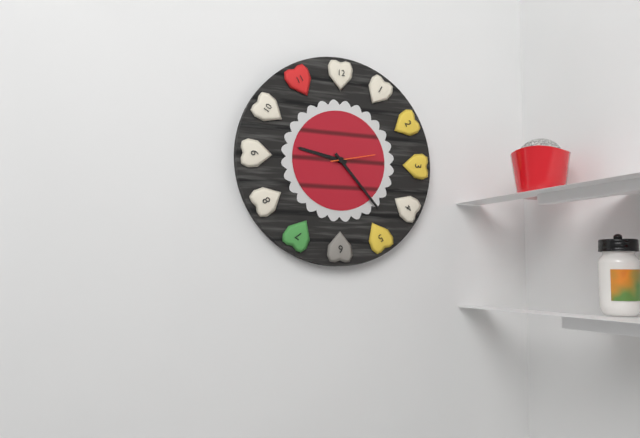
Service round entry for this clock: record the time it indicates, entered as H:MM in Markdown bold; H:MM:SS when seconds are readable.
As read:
**9:23**
